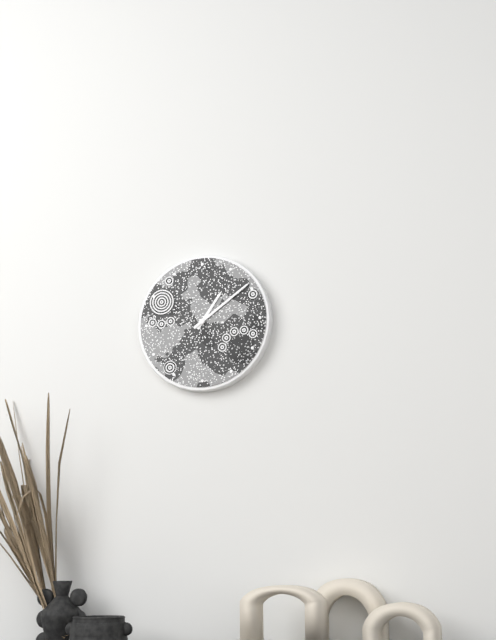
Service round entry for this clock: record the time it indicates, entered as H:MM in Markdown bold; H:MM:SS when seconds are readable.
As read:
**1:09**
